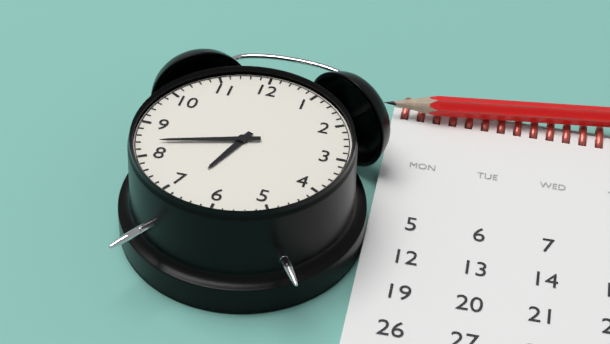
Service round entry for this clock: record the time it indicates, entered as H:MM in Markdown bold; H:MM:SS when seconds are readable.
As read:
**6:42**
